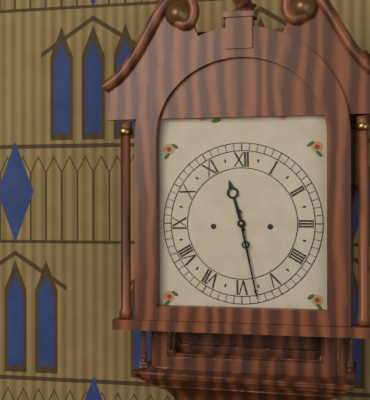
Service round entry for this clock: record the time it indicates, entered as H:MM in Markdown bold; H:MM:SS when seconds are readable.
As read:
**11:28**
